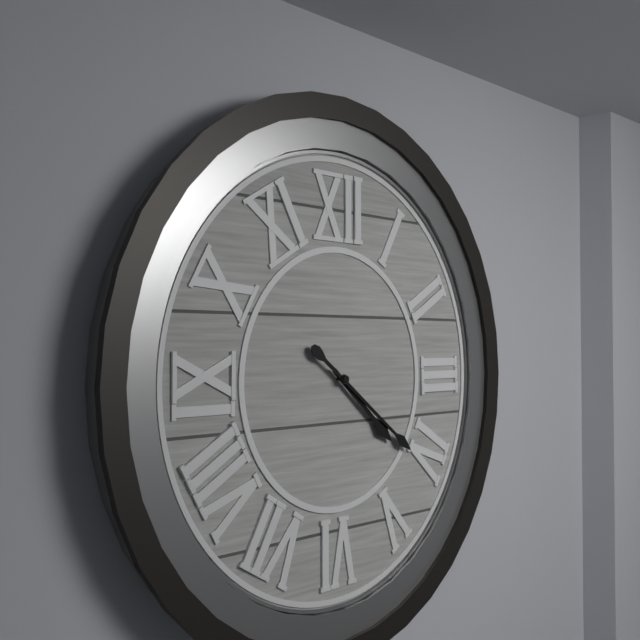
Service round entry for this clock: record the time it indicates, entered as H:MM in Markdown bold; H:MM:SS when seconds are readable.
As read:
**4:21**
